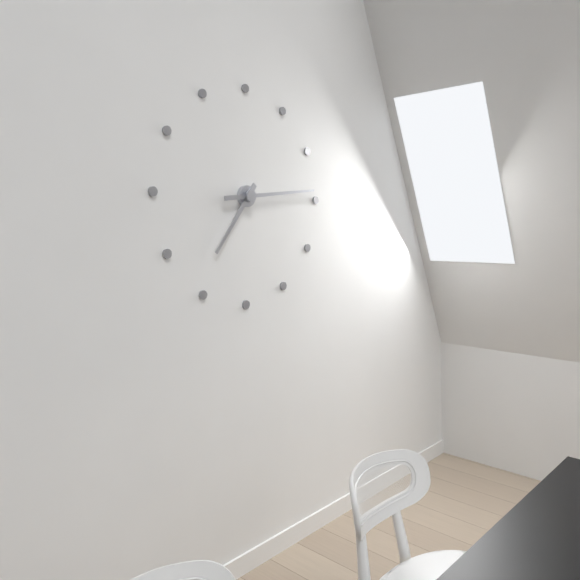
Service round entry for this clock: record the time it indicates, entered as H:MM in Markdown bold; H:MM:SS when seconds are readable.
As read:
**7:14**
